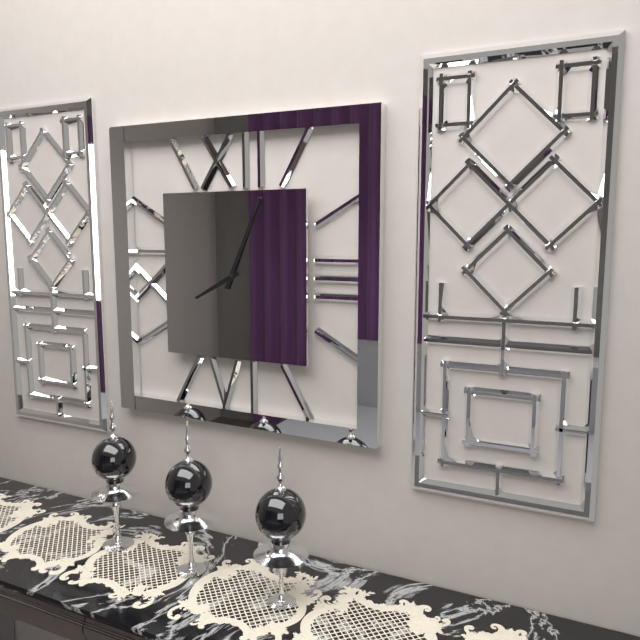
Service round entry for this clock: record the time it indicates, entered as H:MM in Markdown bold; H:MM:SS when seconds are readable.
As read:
**8:04**
